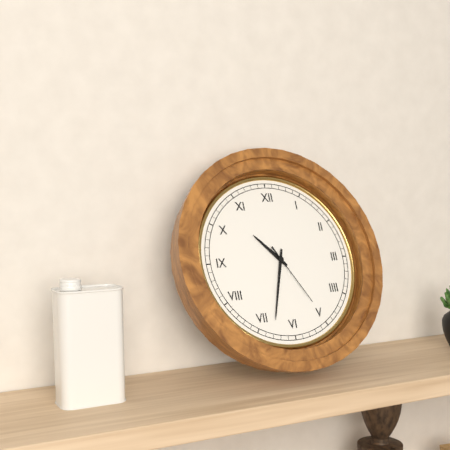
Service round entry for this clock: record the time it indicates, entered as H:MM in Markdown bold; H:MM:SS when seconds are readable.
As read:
**10:33:25**
